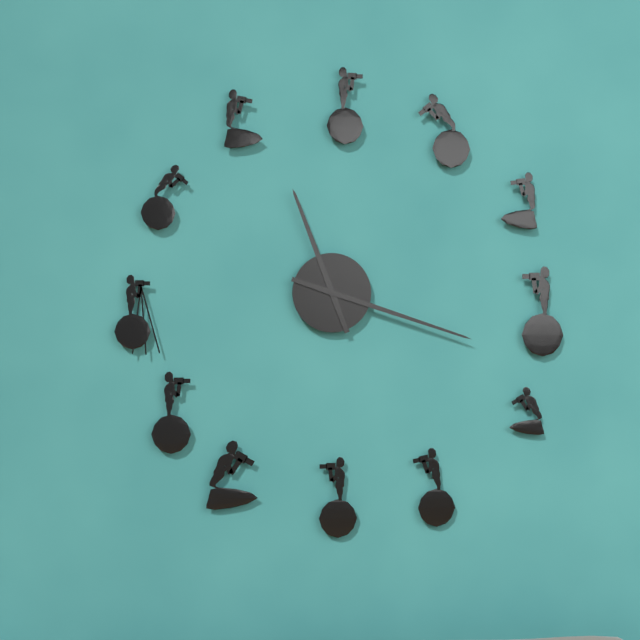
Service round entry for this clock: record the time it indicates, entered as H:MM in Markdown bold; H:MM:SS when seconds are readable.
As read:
**11:18**
